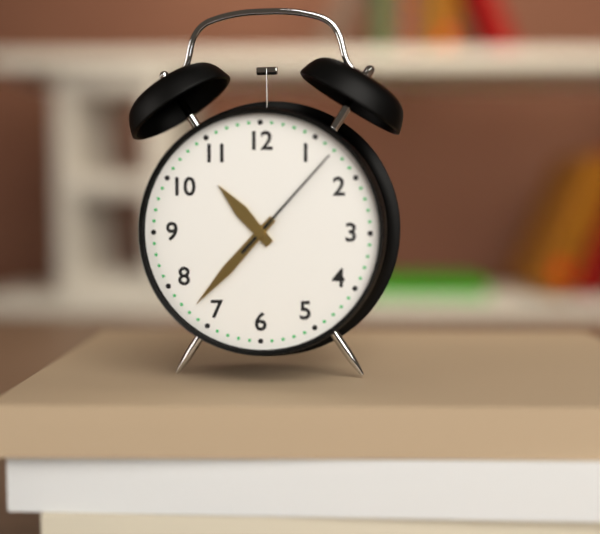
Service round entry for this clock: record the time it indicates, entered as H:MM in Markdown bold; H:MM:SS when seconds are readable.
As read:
**10:37:07**
